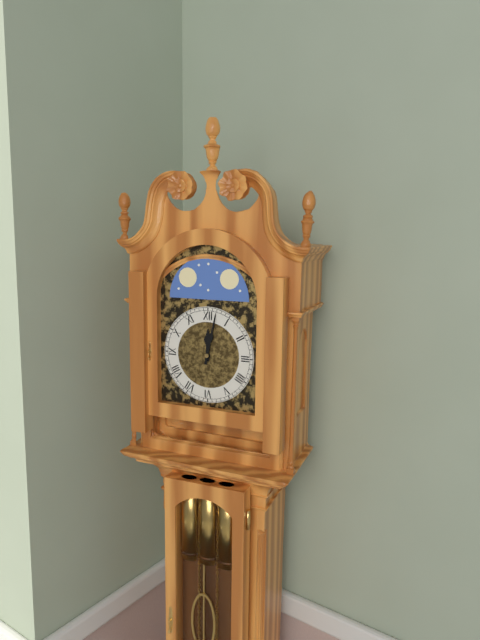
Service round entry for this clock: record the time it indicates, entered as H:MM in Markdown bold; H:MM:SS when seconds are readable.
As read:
**12:02**
